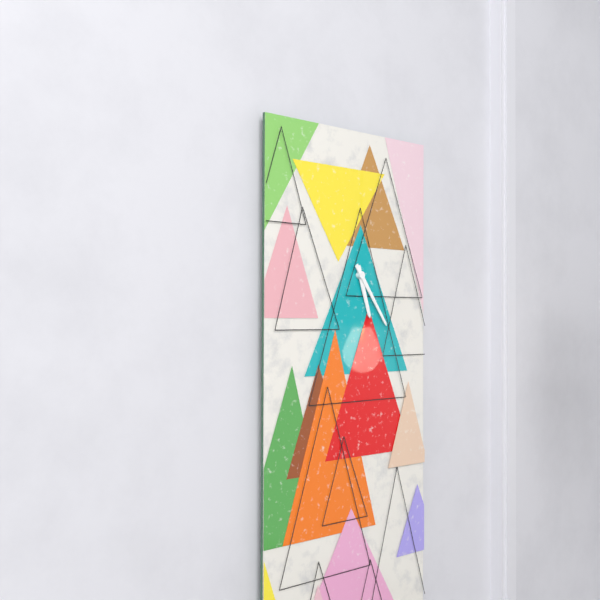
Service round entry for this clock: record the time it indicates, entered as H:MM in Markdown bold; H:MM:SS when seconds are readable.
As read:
**5:24**
